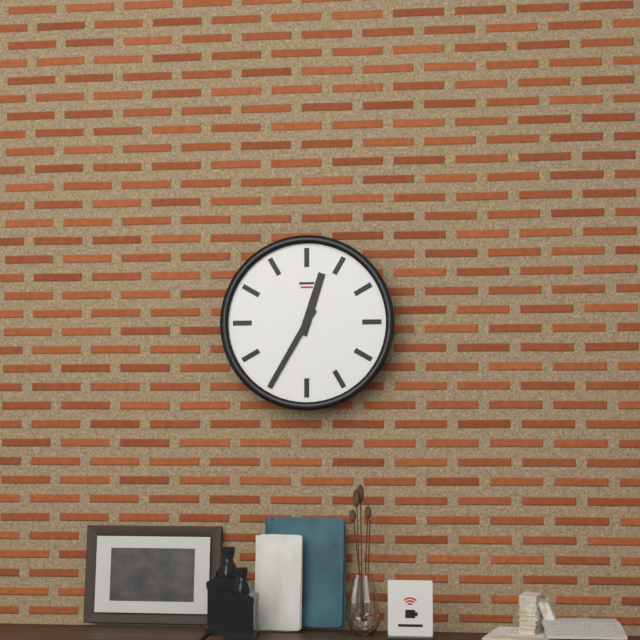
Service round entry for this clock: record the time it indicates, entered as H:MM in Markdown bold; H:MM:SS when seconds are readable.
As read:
**12:35**
